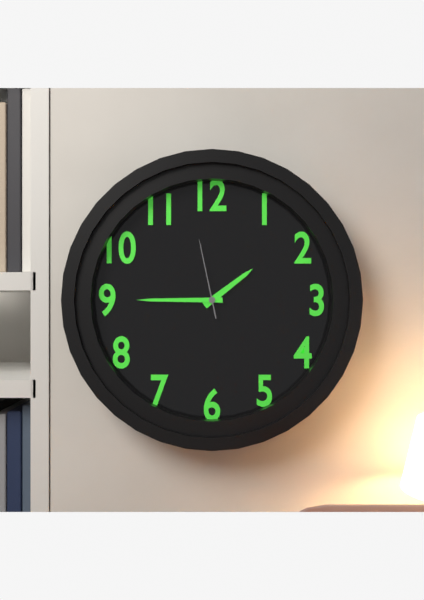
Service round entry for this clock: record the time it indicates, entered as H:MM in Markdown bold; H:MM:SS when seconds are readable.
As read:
**1:45:58**
